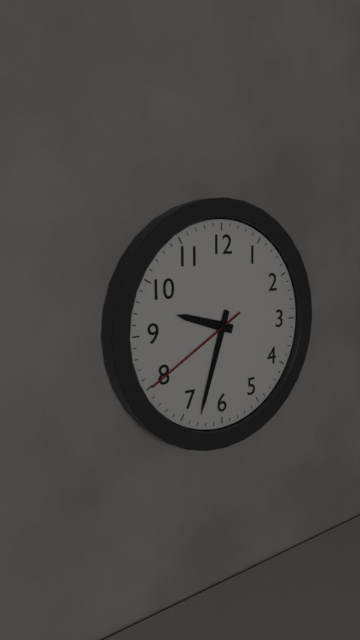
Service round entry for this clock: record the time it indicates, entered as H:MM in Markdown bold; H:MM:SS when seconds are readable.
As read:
**9:33:40**
